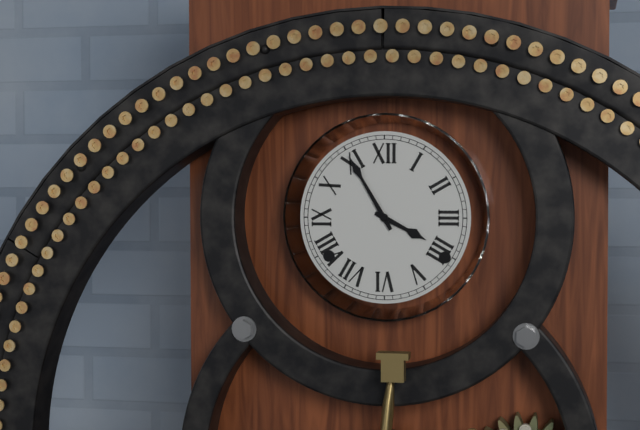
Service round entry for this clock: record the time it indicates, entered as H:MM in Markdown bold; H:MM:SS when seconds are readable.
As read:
**3:55**
